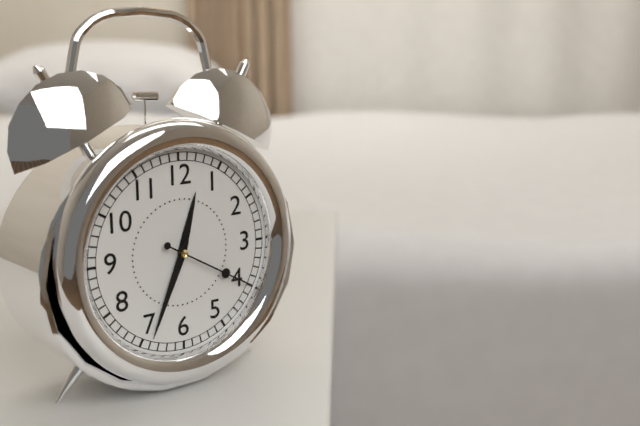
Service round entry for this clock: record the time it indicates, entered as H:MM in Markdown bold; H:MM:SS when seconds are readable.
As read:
**12:34:20**
